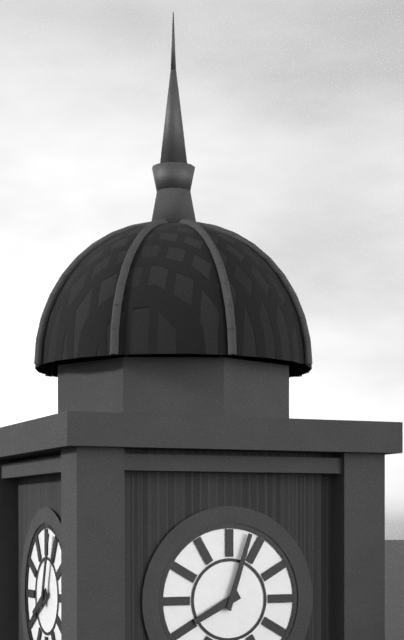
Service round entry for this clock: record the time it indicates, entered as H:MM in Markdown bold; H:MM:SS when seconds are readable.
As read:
**8:03**
